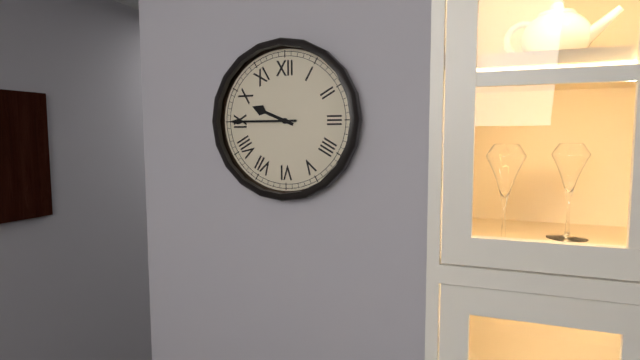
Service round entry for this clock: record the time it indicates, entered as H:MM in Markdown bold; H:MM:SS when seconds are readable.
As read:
**9:45**
